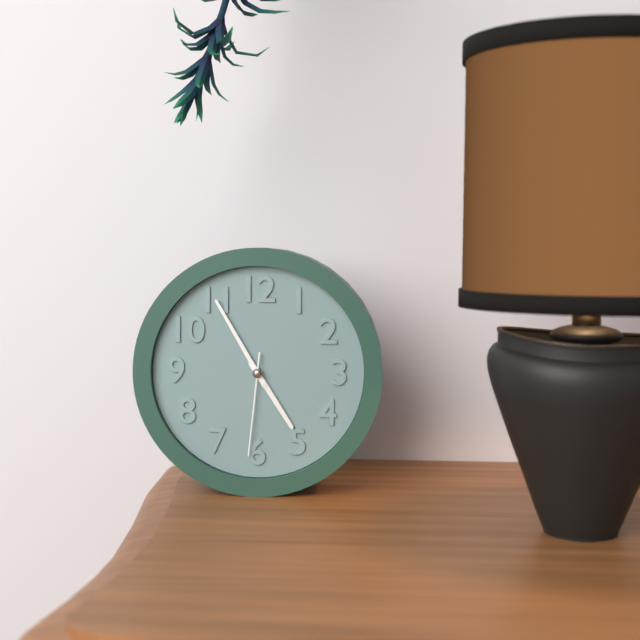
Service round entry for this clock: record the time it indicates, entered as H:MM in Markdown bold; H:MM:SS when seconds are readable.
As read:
**4:55:31**
